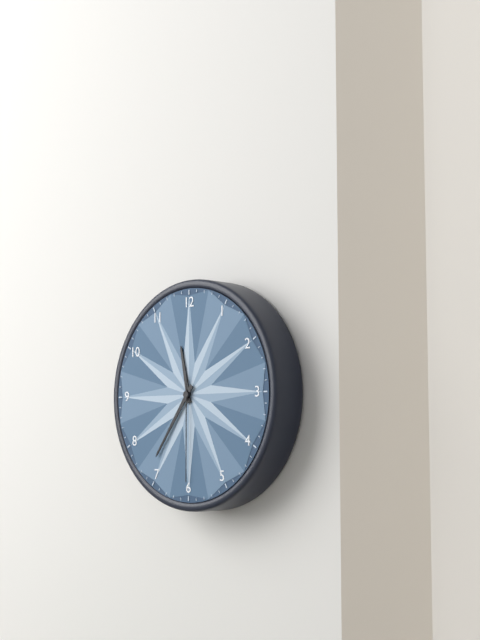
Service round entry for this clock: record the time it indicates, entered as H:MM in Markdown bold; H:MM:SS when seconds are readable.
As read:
**11:36:30**
